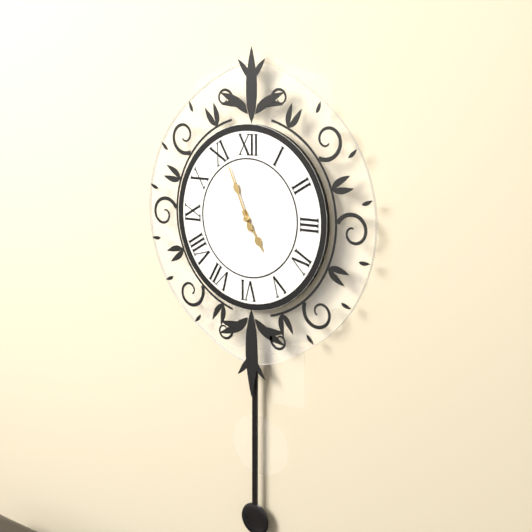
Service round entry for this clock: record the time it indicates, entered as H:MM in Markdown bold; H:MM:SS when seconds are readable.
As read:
**4:56**
